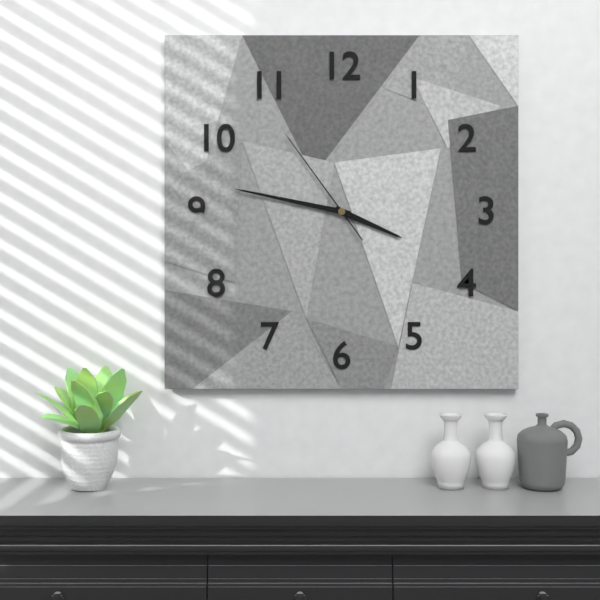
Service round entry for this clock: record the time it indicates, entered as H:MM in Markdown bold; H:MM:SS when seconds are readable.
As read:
**3:47:54**
